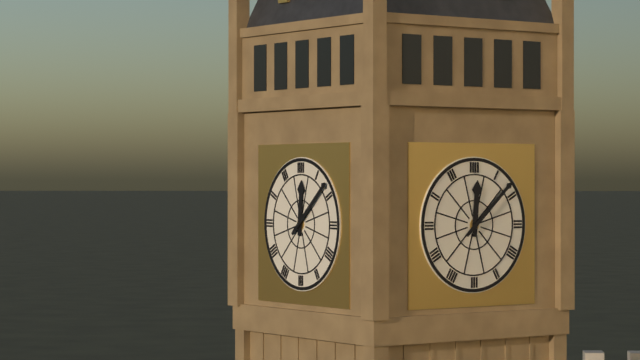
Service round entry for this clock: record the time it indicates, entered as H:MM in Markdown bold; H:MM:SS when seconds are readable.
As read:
**12:08**
